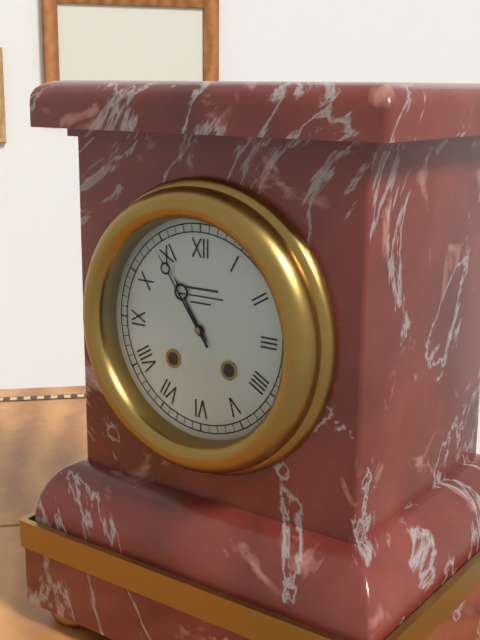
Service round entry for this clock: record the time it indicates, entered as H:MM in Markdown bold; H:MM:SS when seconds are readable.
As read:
**10:54**
